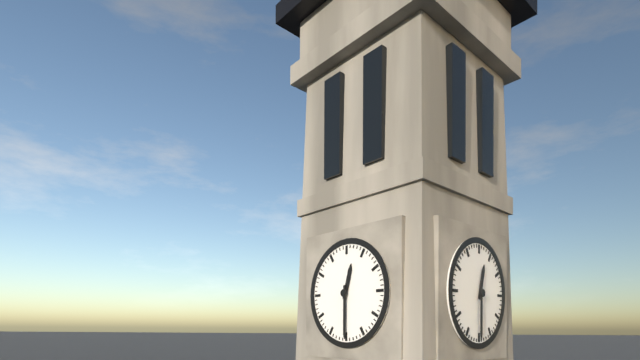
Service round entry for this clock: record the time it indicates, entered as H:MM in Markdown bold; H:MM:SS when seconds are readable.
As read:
**12:30**
